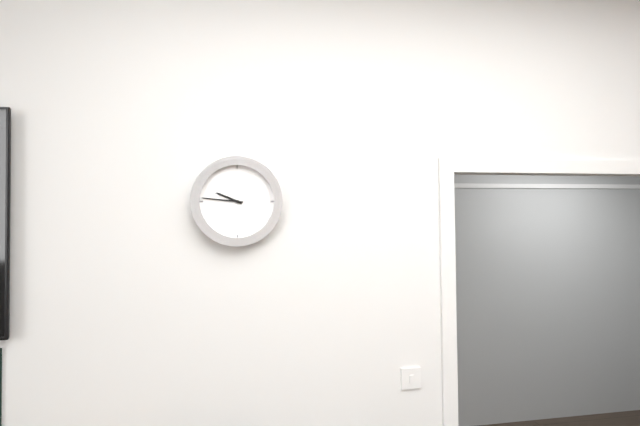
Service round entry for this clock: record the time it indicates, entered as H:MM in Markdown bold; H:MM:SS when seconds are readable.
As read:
**9:46**
